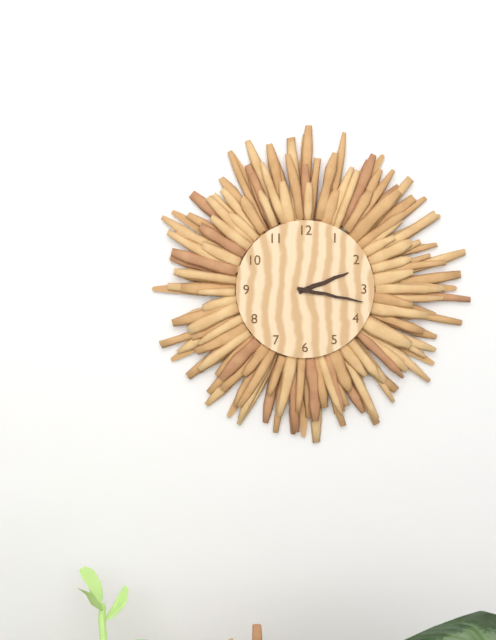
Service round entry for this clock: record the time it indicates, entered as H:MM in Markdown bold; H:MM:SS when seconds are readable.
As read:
**2:17**
